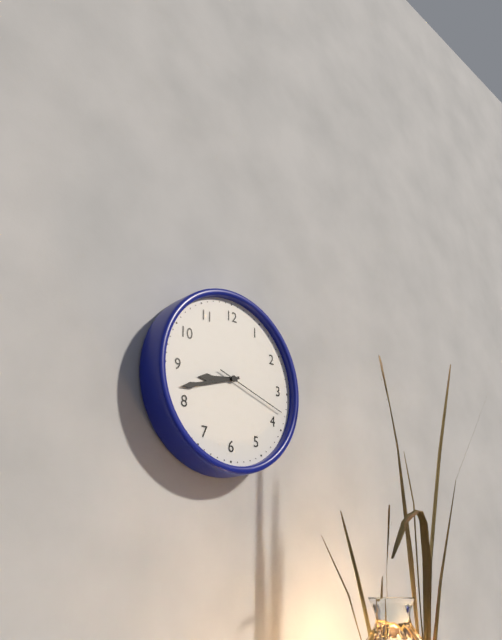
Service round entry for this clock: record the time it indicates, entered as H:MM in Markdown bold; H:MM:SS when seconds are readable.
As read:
**8:42:18**
